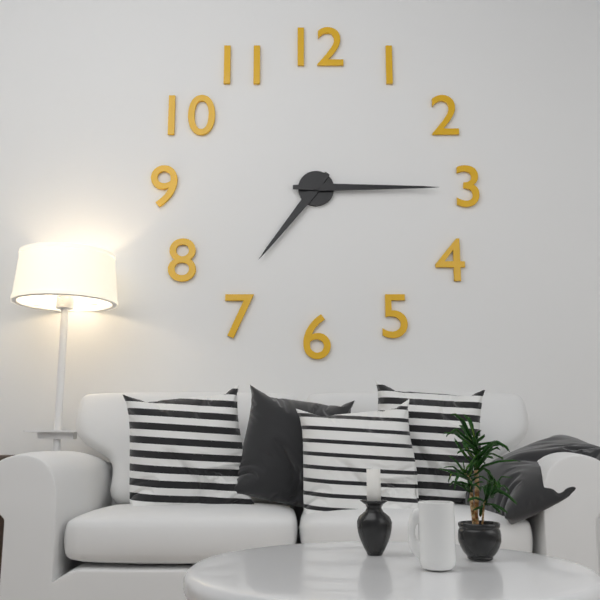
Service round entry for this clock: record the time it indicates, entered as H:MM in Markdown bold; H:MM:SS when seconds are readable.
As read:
**7:15**
